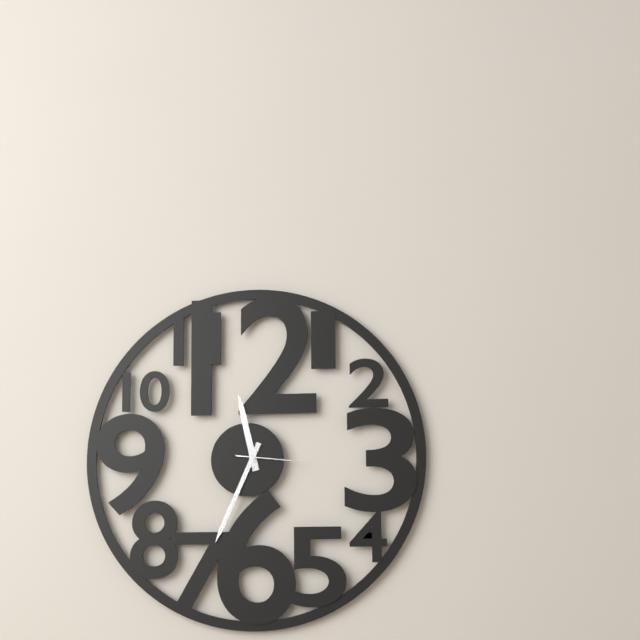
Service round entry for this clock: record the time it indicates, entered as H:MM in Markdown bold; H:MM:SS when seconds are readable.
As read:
**11:34:16**
